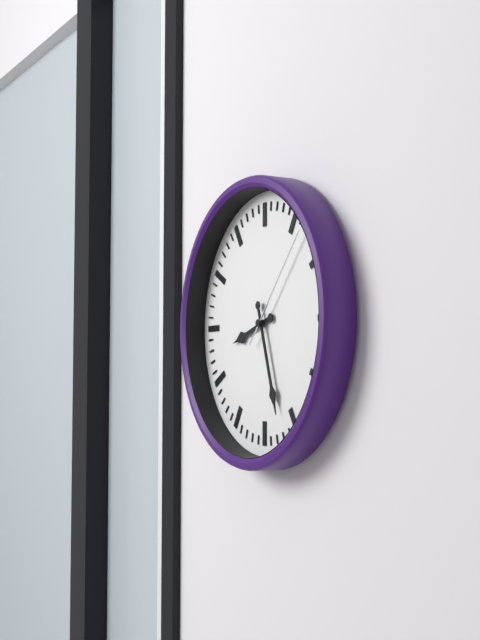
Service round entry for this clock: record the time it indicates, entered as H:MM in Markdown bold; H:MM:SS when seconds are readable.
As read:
**8:27:07**
